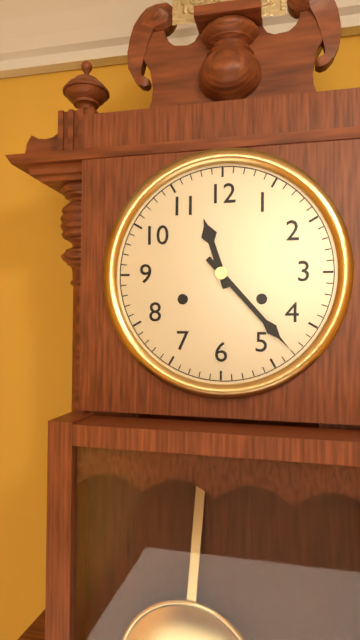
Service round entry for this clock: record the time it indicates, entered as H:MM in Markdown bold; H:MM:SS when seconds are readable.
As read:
**11:23**
